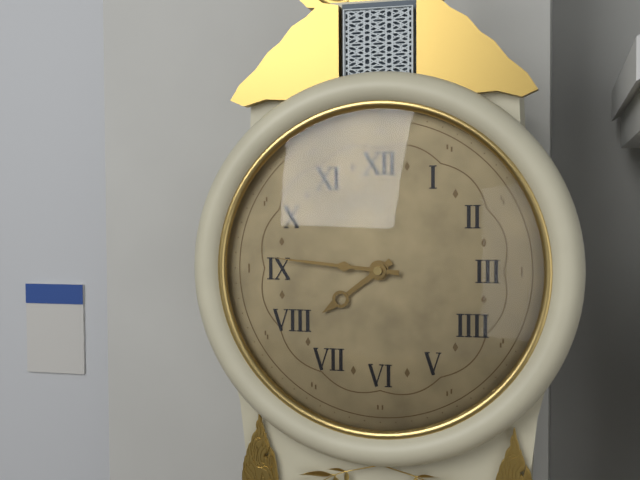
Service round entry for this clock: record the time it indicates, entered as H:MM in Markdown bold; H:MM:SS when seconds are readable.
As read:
**7:46**
